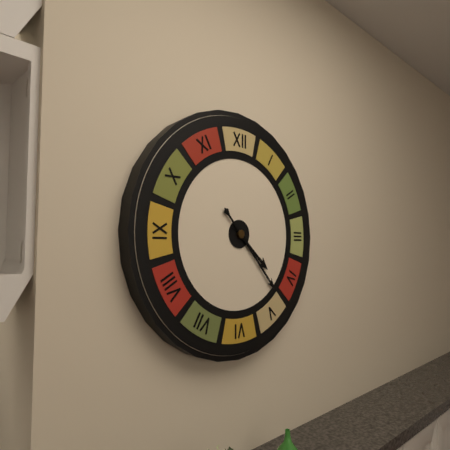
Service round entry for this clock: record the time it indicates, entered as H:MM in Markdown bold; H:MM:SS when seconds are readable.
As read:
**4:23**
